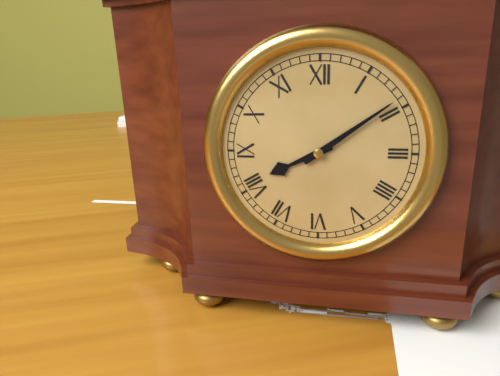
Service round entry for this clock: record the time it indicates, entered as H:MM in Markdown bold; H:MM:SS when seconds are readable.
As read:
**8:09**
